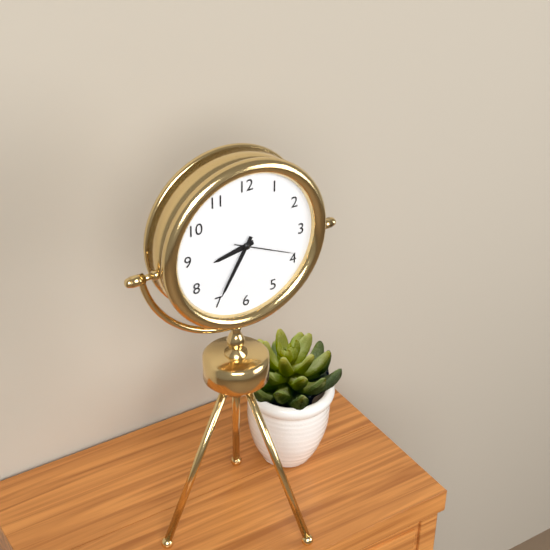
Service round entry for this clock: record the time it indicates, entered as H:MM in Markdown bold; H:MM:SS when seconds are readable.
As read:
**8:35:19**
